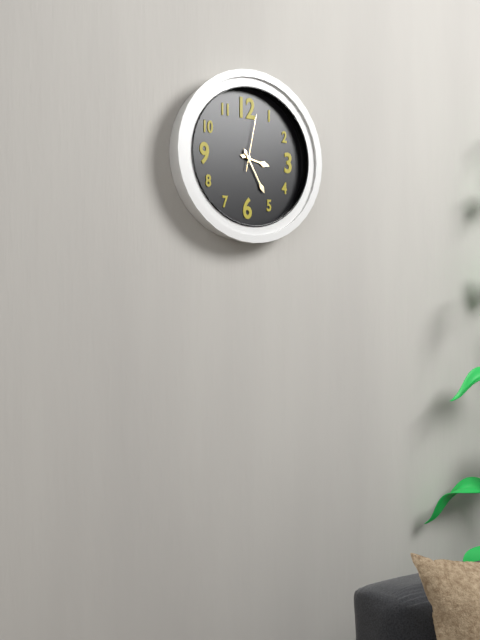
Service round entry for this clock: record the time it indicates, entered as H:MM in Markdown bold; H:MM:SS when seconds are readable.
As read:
**3:25:02**
